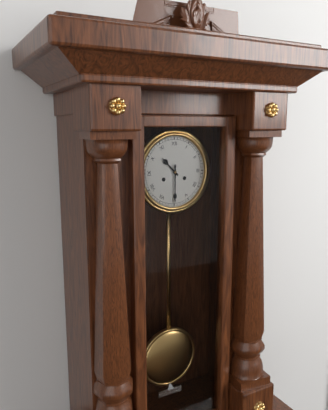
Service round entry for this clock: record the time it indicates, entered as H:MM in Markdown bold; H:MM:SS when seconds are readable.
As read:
**10:30**
